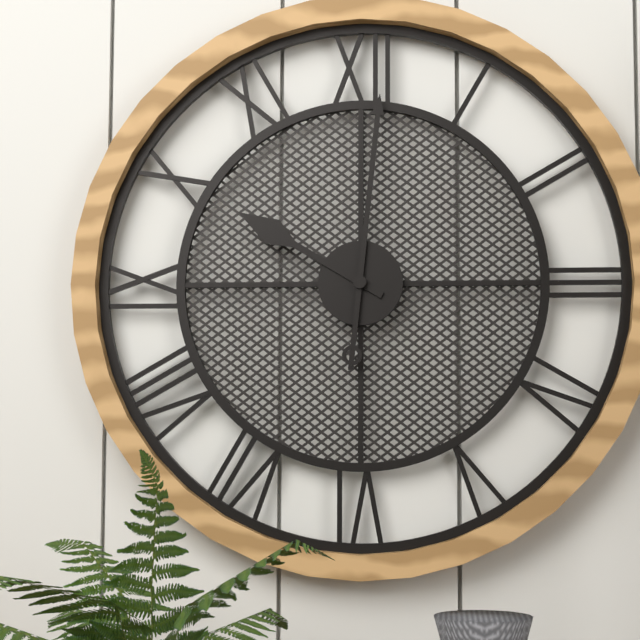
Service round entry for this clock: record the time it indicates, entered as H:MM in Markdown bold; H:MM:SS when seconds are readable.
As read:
**10:01**
